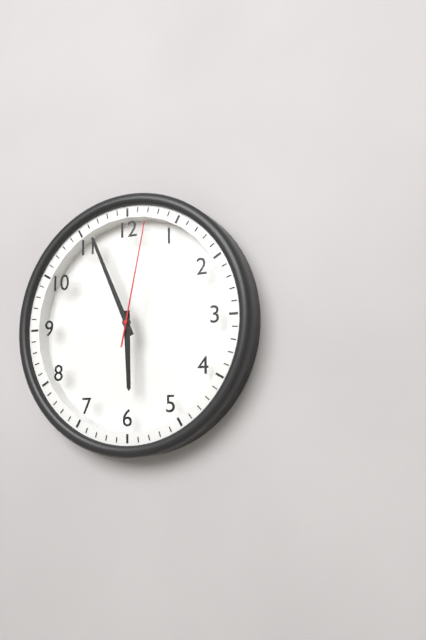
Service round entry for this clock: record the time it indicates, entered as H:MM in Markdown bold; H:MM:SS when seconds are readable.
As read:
**5:56:02**
